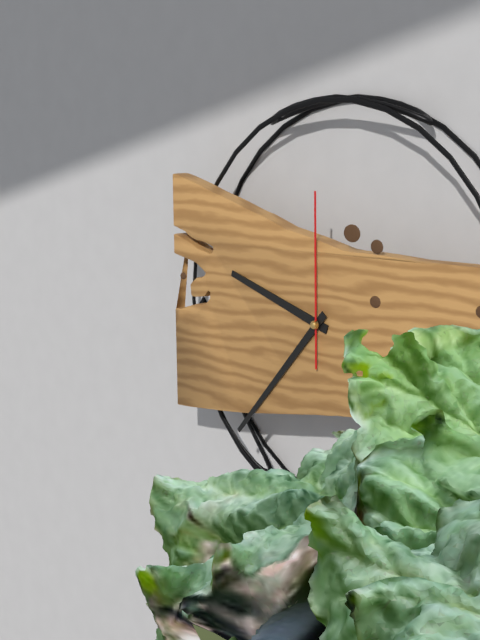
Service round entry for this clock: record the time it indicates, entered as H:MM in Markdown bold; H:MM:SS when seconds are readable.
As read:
**9:37:00**
